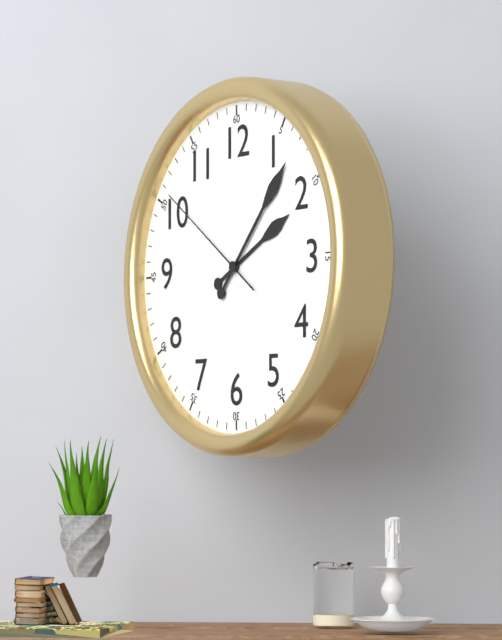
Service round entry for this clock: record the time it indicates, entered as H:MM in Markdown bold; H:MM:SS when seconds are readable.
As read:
**2:07:51**
